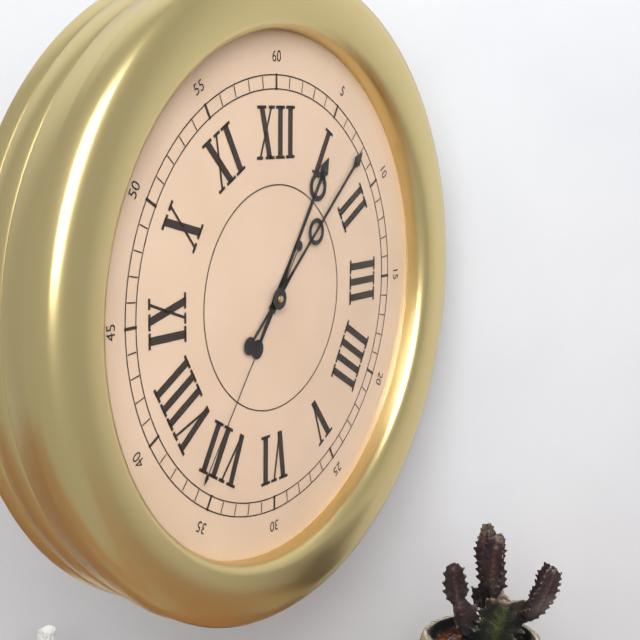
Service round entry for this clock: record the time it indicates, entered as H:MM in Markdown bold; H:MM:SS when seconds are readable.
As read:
**1:08:36**
